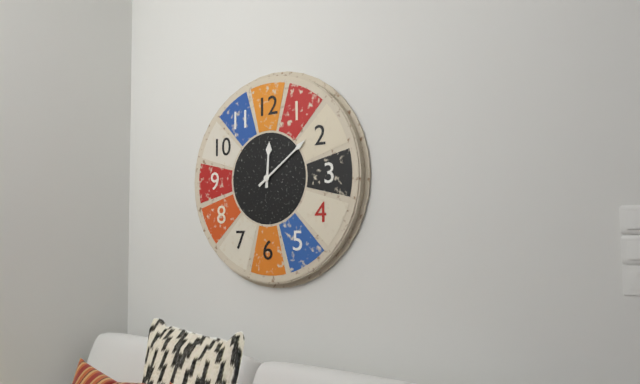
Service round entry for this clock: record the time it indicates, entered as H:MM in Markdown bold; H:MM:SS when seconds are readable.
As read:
**12:09**
